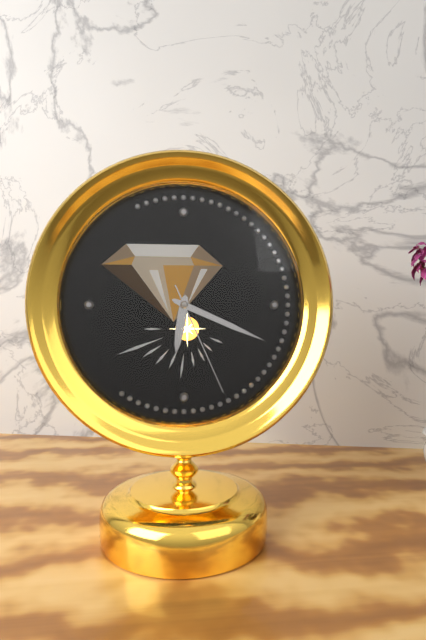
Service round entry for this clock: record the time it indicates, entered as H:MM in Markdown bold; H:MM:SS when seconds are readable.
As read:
**6:19:26**
